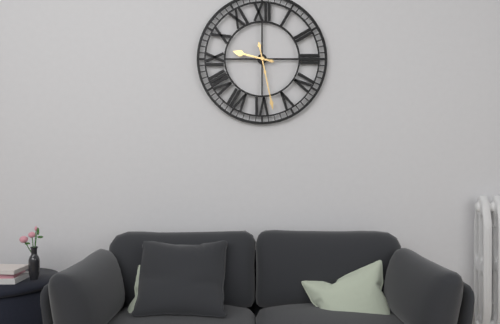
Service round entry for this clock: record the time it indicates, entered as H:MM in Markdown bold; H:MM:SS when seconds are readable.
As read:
**9:28**
